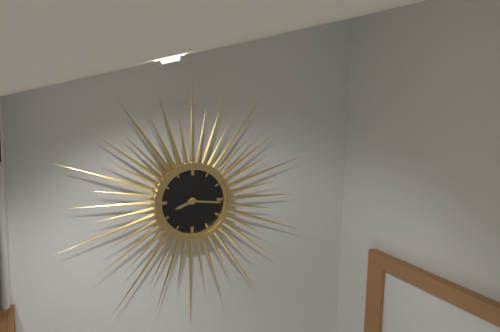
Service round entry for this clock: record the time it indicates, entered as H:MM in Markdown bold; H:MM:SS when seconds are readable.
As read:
**8:16**
